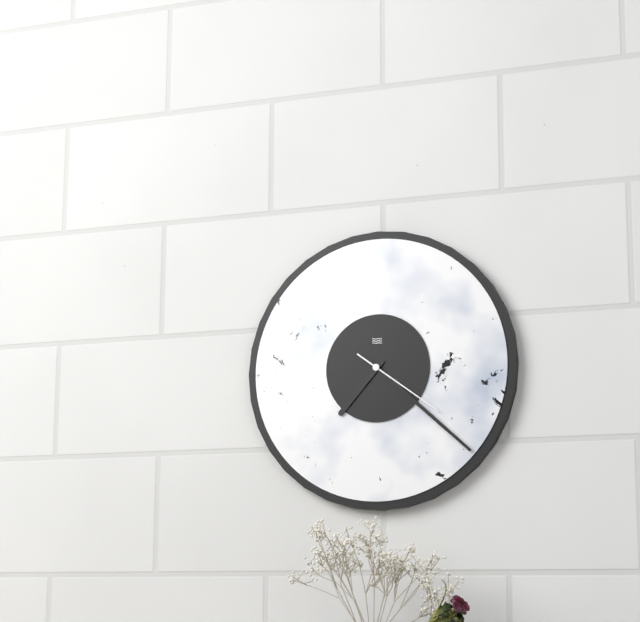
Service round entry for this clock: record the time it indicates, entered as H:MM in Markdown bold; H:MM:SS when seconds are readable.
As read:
**7:22:21**
